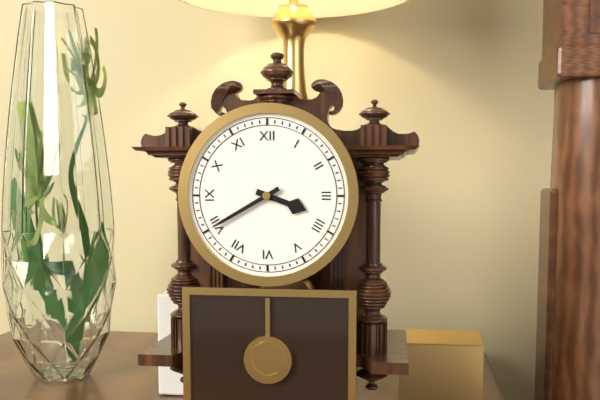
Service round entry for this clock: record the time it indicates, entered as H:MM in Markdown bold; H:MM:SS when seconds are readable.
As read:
**3:40**
